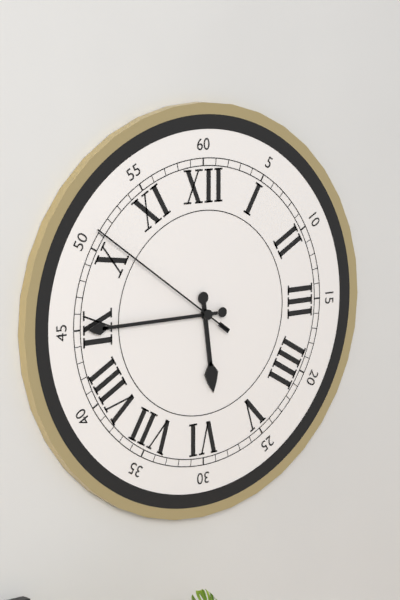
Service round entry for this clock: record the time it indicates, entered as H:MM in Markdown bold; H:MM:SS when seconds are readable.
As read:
**5:45:51**
